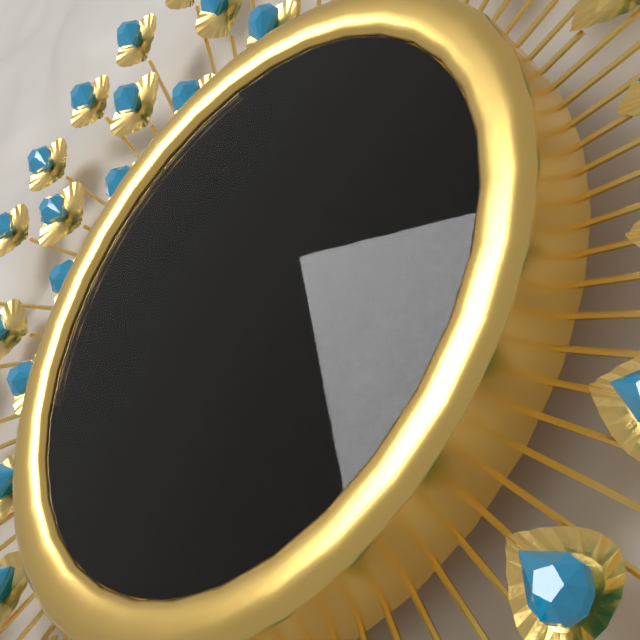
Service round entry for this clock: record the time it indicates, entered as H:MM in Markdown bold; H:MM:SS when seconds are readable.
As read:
**3:39:55**
